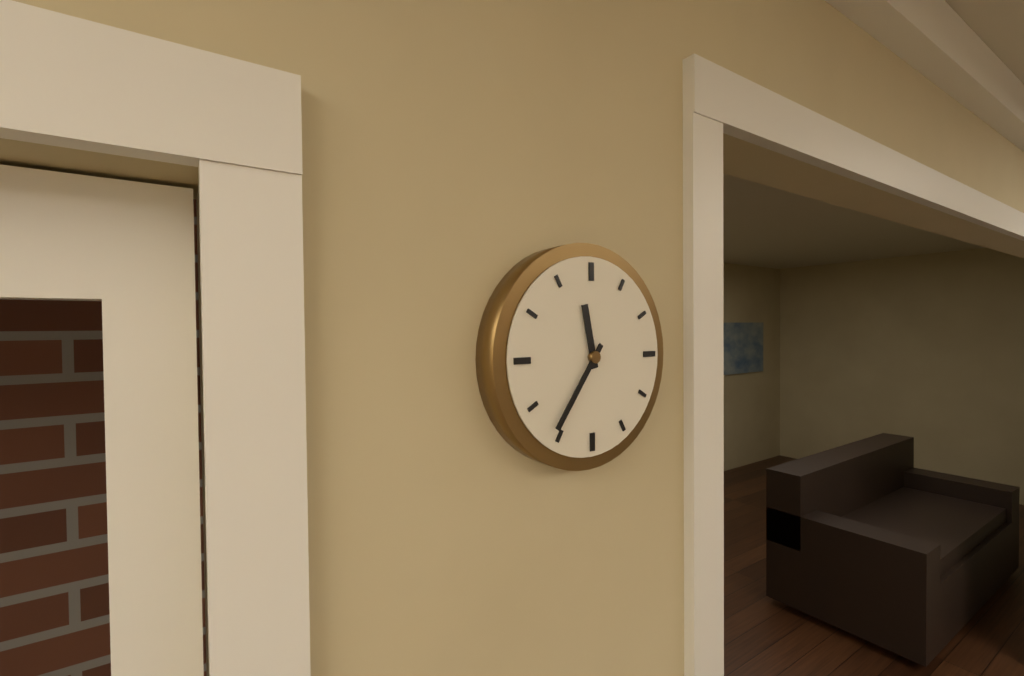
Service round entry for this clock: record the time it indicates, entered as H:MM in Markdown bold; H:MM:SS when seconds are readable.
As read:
**11:36**
